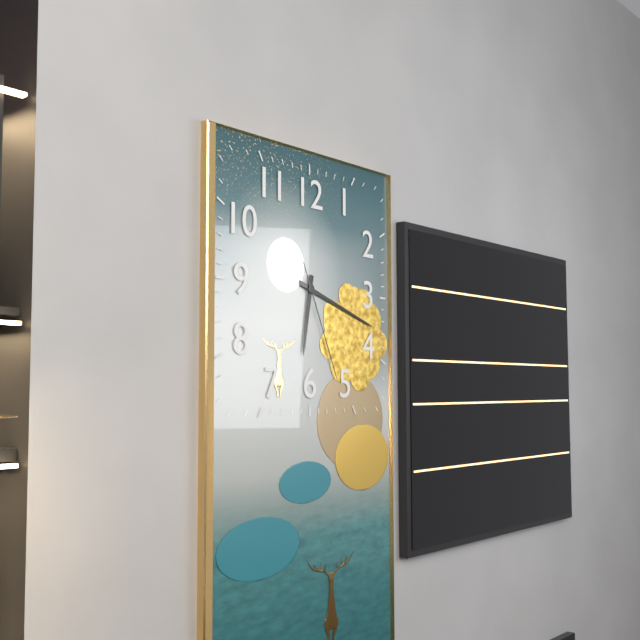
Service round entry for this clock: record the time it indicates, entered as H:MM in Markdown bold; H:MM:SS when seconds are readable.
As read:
**6:18:26**
